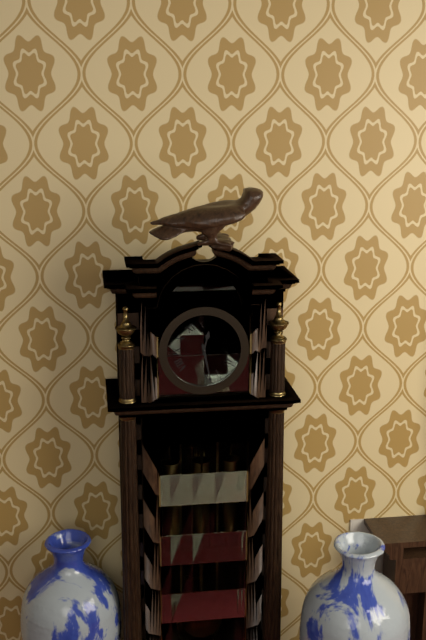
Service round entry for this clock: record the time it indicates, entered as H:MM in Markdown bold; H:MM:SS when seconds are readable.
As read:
**12:28**
